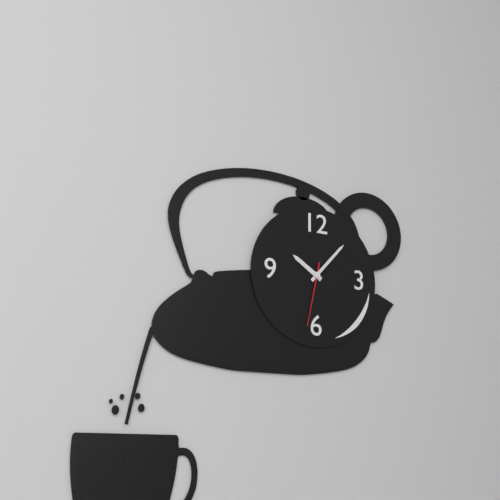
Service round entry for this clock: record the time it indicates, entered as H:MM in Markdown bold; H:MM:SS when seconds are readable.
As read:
**10:07:32**
